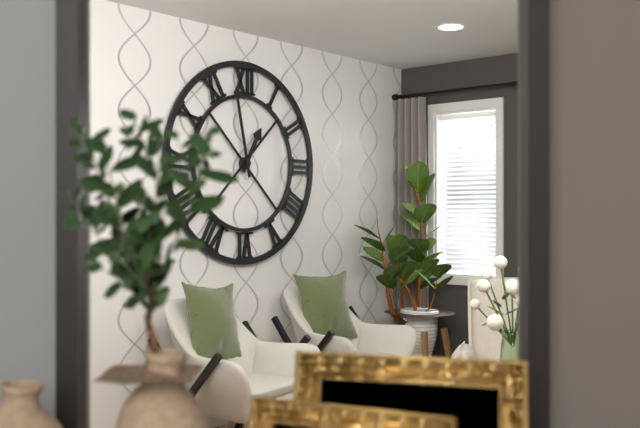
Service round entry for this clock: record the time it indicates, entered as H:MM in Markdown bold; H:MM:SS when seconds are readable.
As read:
**12:58**
